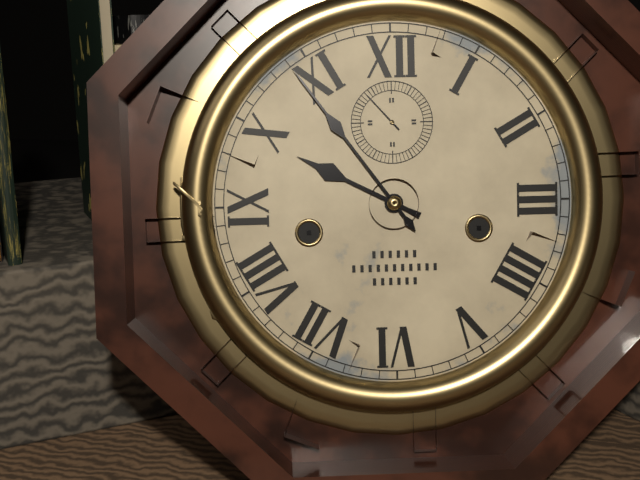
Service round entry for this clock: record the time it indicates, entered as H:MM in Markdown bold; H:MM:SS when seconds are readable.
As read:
**9:54**
